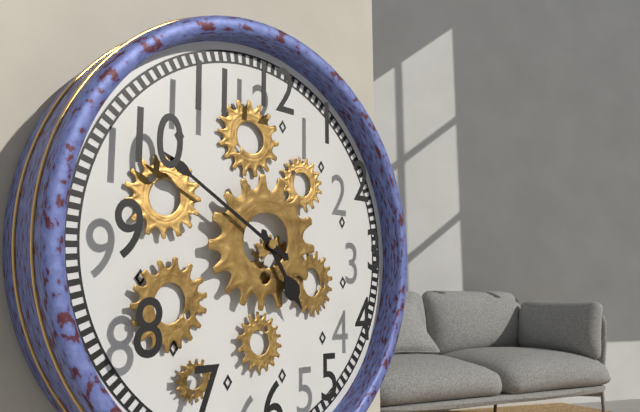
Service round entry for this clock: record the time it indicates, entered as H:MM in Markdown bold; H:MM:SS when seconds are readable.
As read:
**4:50**
